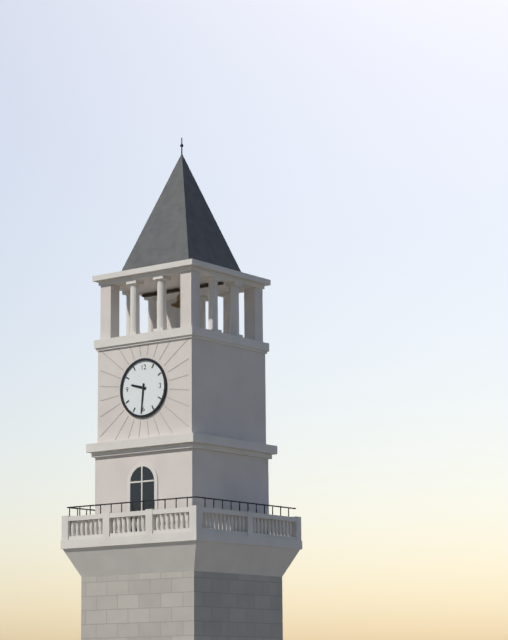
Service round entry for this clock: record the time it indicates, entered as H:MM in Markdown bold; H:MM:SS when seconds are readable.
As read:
**9:31**
